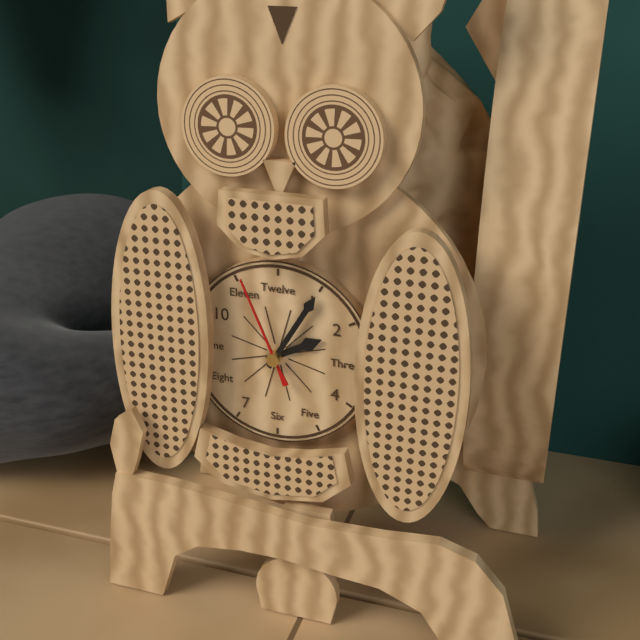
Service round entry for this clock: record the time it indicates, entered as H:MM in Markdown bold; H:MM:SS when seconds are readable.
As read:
**2:05:56**
